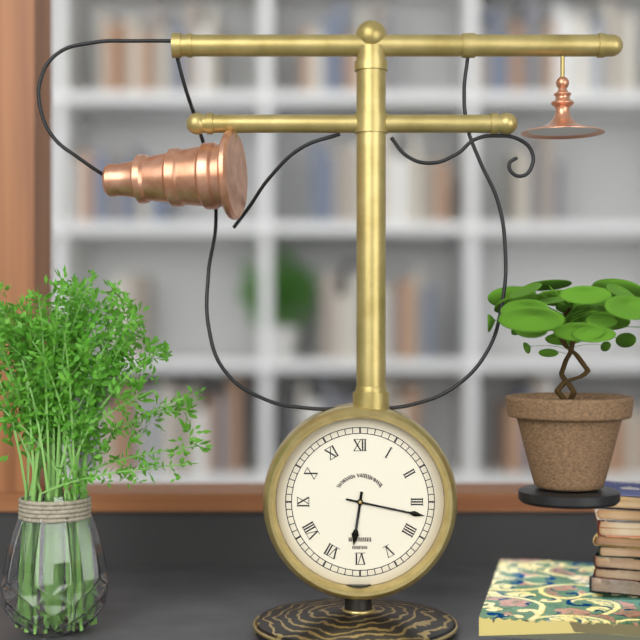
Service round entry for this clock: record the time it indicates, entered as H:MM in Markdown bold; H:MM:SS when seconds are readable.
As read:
**6:17**
